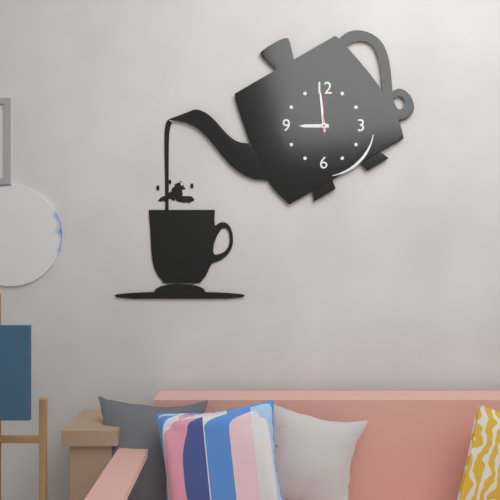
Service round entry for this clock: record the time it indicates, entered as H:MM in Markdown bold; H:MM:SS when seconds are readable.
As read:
**8:59**
